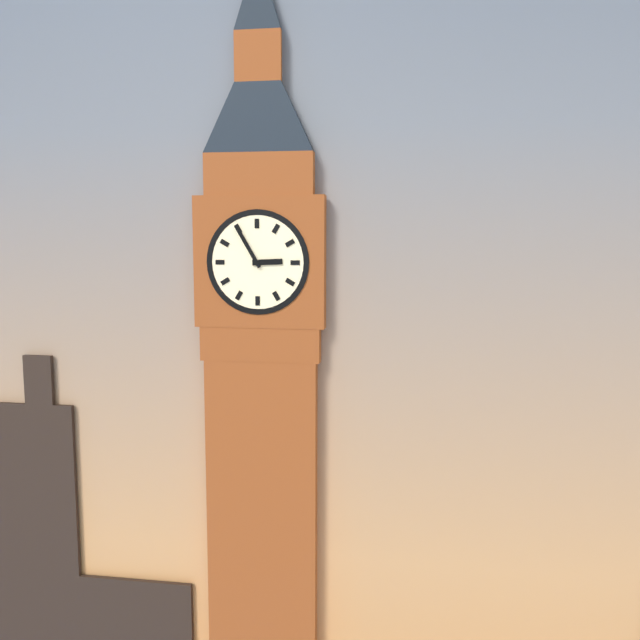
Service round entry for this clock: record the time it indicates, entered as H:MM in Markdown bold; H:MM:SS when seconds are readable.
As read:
**2:55**
